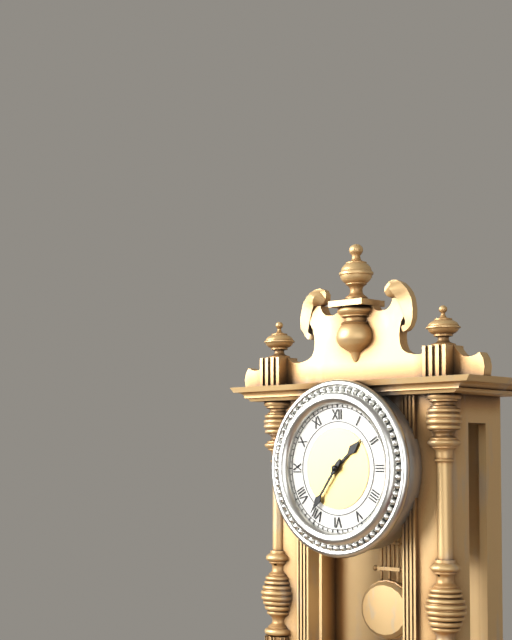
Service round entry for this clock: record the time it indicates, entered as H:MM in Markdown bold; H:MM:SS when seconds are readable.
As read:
**1:36**
